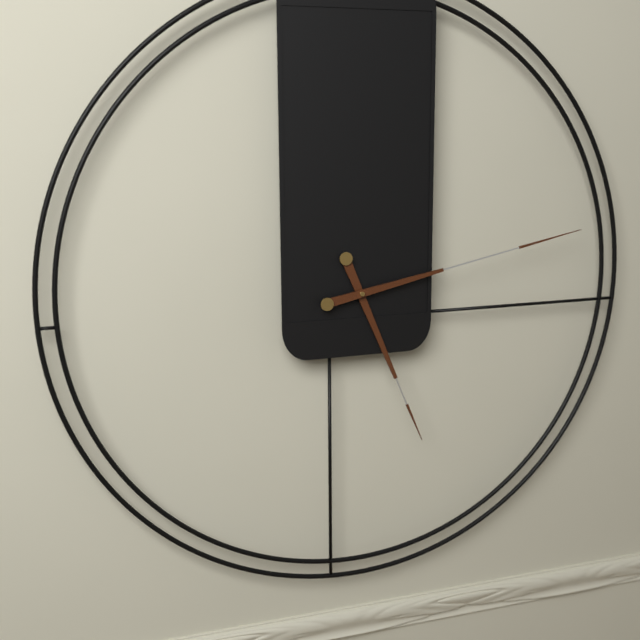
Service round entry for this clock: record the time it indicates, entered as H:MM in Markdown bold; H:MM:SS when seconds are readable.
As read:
**5:13**
